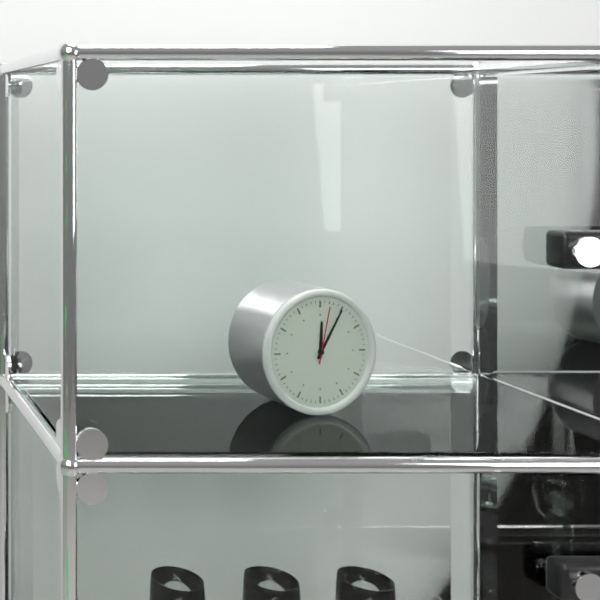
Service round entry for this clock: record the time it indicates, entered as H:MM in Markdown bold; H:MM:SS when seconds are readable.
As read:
**12:05:02**
